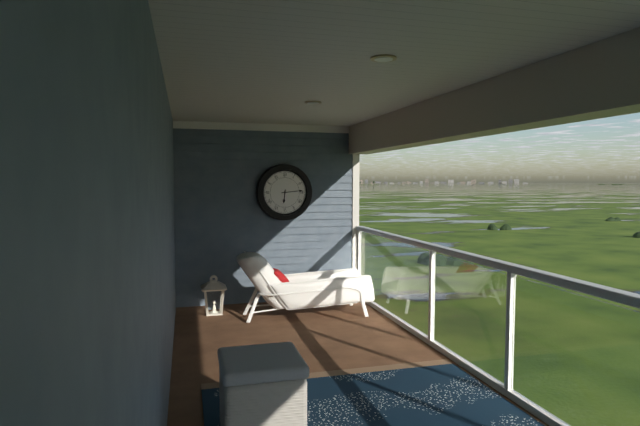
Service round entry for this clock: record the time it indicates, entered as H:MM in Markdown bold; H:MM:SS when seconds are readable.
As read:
**6:14**
